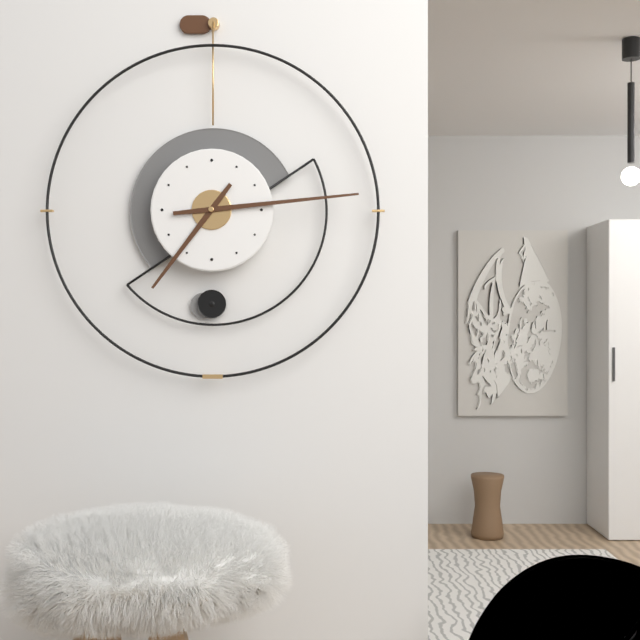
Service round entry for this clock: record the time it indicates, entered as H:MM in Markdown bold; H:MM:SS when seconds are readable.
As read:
**7:14**
